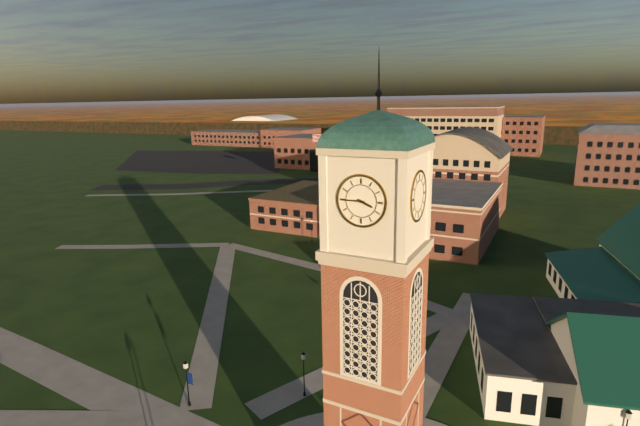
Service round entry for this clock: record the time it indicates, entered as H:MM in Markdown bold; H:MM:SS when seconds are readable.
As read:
**3:45**
